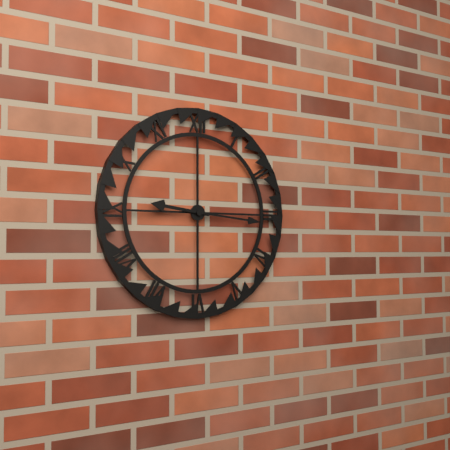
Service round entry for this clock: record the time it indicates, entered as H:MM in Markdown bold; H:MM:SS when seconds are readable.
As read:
**9:16**
